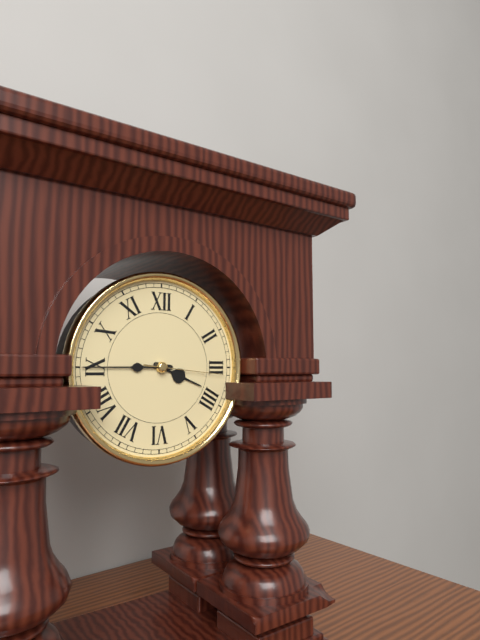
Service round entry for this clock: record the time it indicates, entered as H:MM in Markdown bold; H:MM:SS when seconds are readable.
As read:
**3:45:16**
